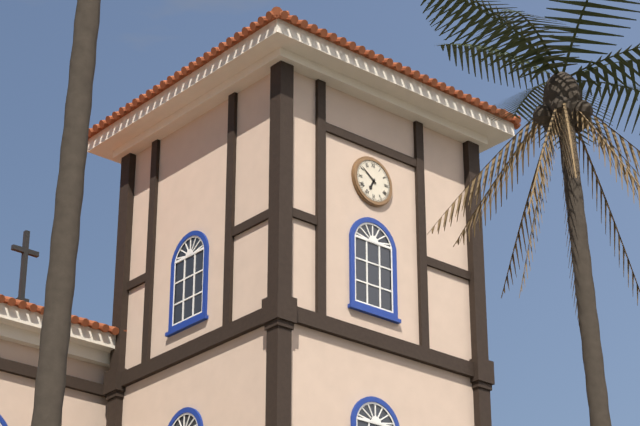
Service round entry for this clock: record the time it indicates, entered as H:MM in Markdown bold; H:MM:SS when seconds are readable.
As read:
**6:51**
